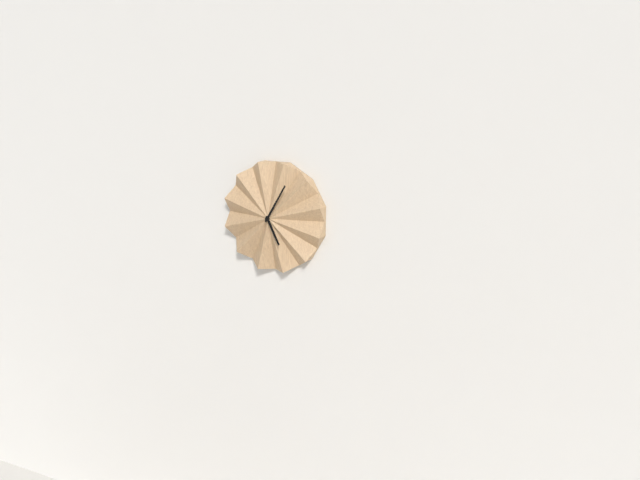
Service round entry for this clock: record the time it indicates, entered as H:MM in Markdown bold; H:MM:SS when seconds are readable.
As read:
**5:05**
